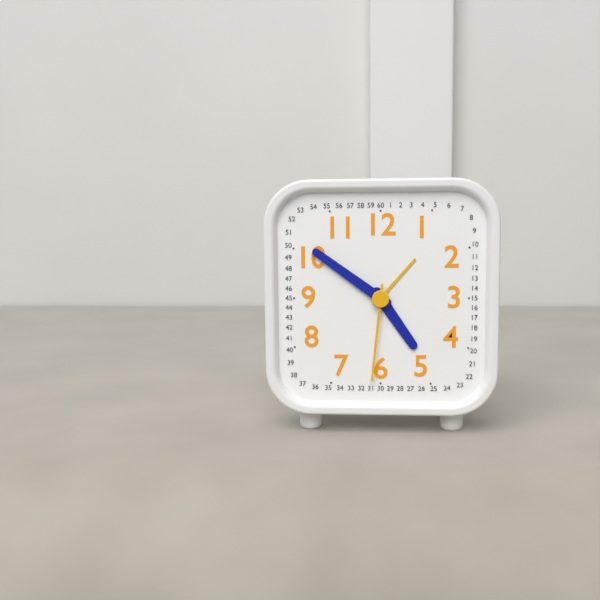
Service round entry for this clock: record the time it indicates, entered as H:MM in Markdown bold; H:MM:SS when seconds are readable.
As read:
**4:51:31**
